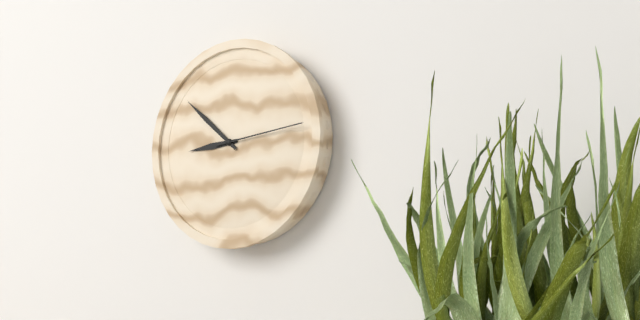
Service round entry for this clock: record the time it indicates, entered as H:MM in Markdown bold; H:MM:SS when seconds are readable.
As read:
**8:52:14**
